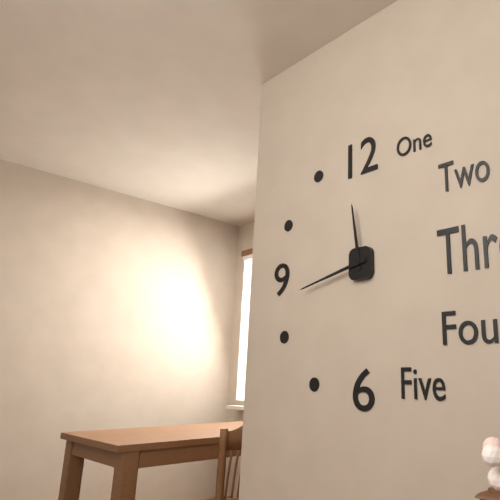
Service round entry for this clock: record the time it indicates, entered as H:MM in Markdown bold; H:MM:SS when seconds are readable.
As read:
**11:43**
